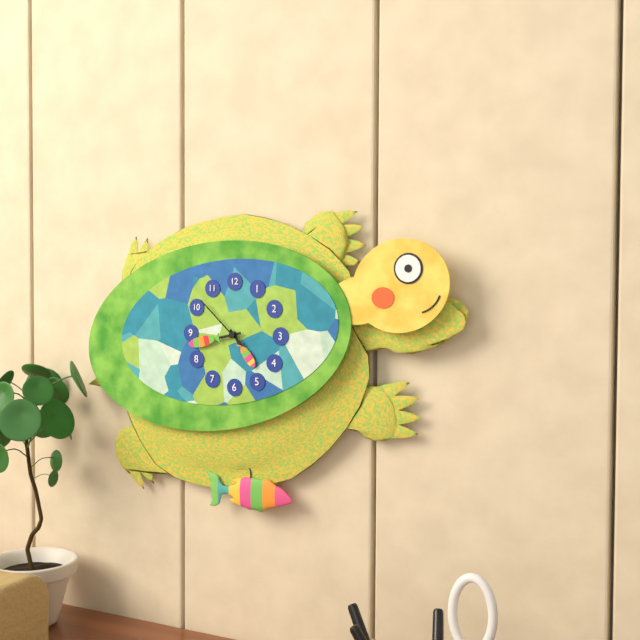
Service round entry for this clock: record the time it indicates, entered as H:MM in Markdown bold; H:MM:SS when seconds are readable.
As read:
**4:43:52**
